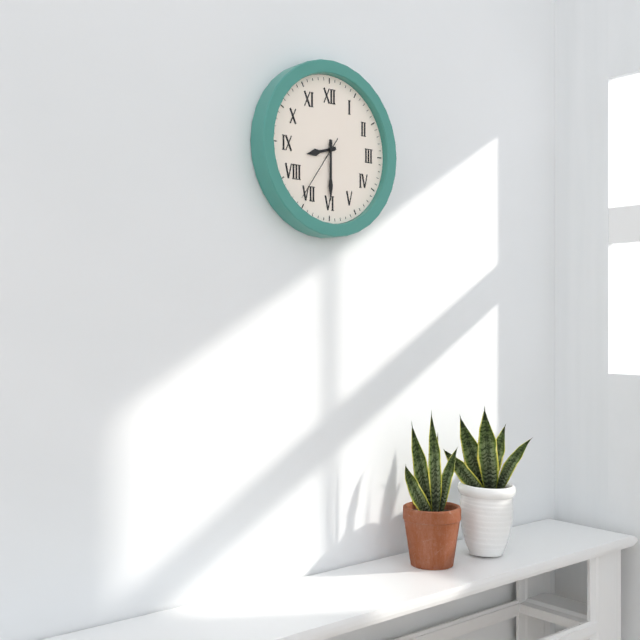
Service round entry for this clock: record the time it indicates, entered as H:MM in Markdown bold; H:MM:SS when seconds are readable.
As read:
**8:30:36**
